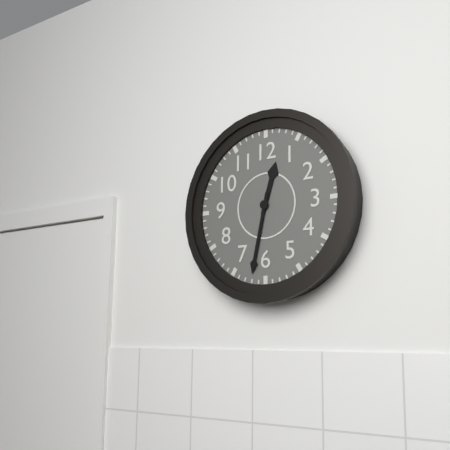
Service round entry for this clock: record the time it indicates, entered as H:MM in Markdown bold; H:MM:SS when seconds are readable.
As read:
**12:32**
